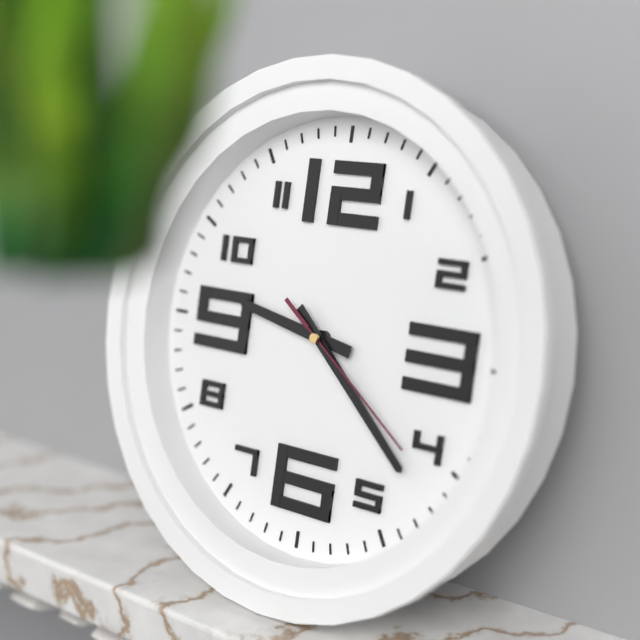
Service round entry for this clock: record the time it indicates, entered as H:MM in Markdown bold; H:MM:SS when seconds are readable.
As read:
**9:22:21**
